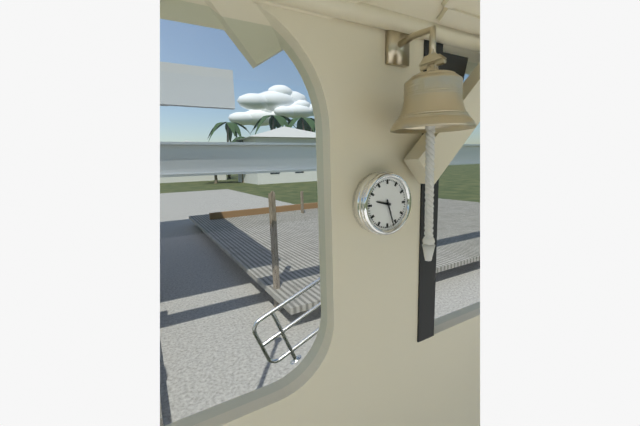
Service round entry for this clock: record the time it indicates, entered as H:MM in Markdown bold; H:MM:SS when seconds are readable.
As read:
**9:27**
